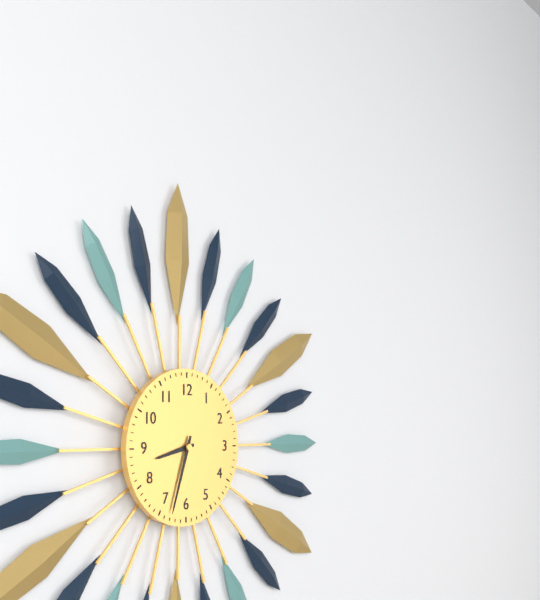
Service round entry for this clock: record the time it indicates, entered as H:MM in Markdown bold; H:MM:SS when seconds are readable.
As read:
**8:33**
